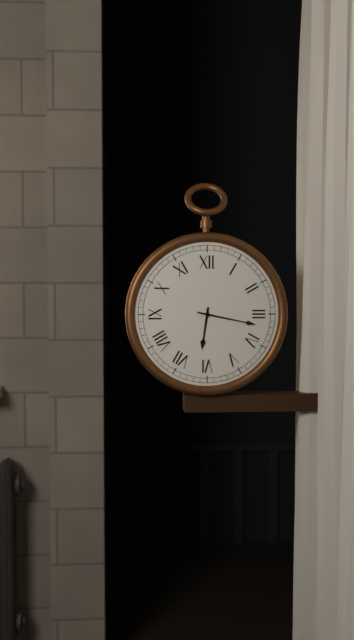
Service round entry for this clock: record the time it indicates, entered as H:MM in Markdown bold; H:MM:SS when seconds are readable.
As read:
**6:17**
